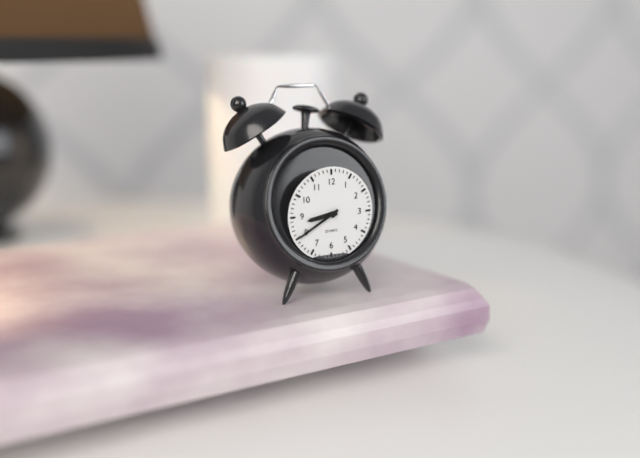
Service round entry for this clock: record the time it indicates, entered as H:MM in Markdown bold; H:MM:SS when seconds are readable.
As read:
**8:40**
